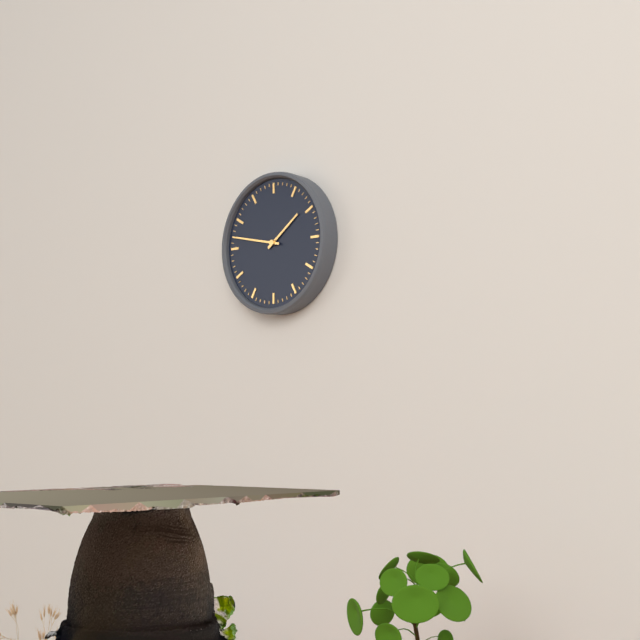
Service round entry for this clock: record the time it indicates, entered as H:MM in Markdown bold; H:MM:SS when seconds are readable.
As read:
**1:47**
